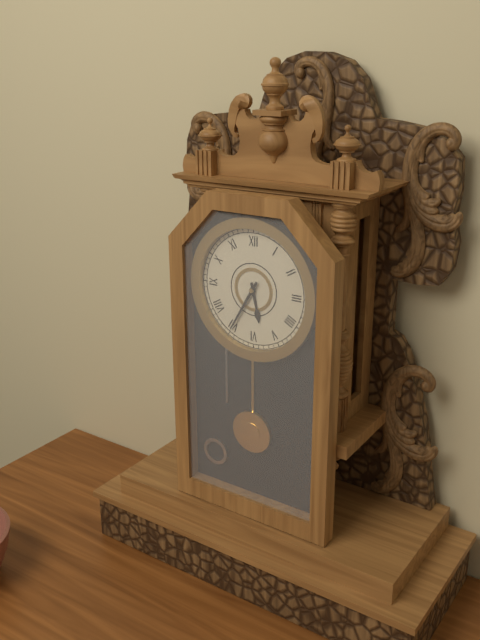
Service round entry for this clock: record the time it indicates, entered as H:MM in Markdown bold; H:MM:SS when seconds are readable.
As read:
**5:35**
